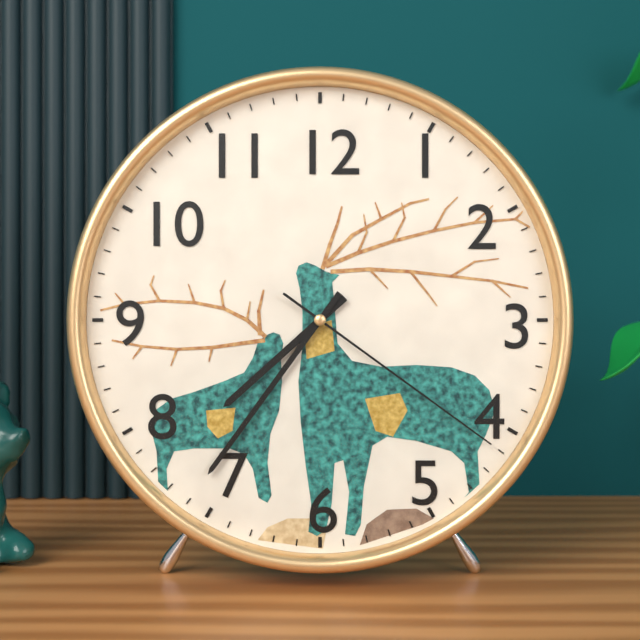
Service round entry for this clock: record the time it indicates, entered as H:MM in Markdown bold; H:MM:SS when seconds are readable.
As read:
**7:36:21**
